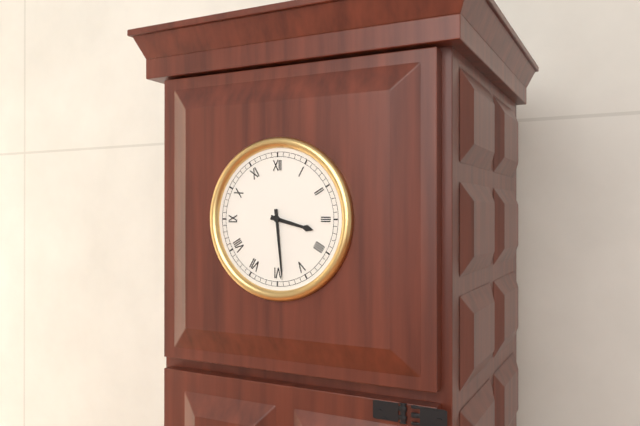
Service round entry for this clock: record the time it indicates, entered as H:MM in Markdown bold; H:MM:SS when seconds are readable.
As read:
**3:29**
